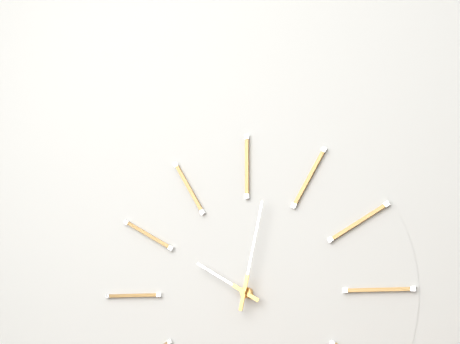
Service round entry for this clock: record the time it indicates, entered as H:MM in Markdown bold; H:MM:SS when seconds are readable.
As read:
**10:02**
